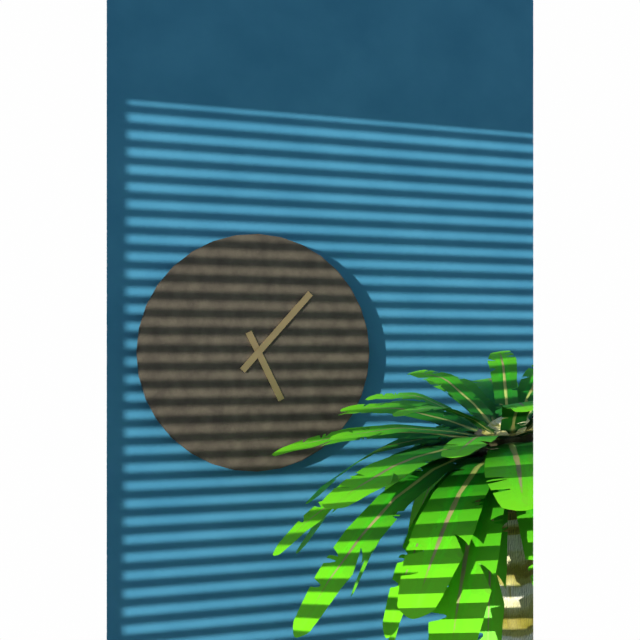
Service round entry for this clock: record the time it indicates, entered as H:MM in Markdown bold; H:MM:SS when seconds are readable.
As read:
**5:07**
